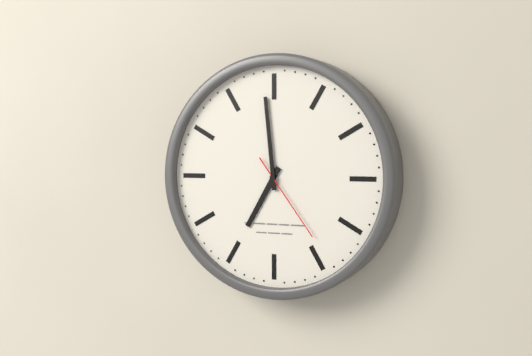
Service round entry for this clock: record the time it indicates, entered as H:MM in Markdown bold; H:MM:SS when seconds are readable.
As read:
**6:59:24**
